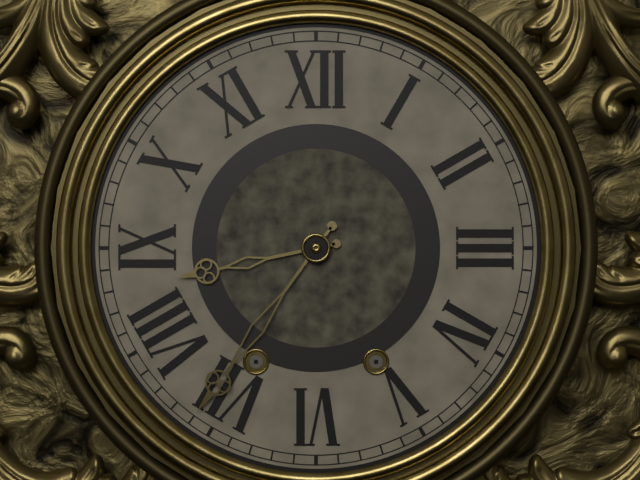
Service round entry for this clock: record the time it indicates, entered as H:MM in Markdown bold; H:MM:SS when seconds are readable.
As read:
**8:36**
